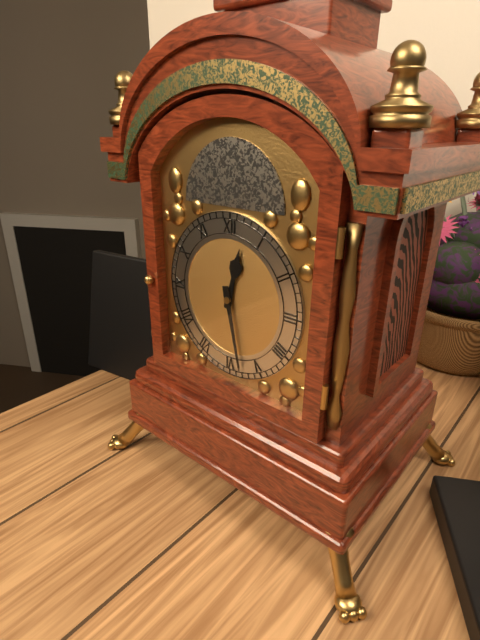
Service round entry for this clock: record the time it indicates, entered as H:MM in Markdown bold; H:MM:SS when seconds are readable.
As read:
**12:28**
